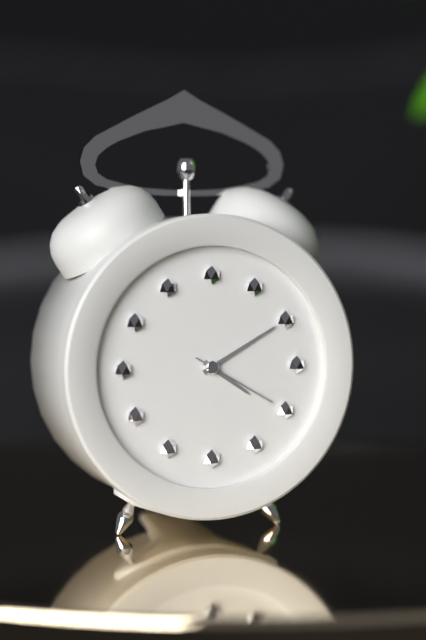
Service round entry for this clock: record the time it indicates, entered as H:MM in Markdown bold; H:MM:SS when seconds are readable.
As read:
**4:10:20**
